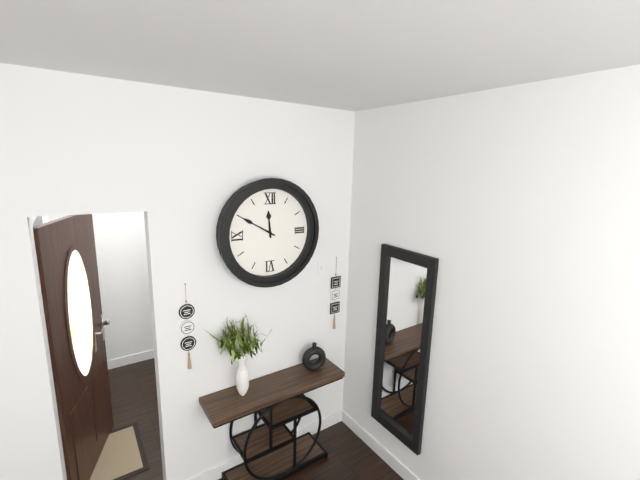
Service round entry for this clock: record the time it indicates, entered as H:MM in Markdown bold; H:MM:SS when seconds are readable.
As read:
**11:50**
